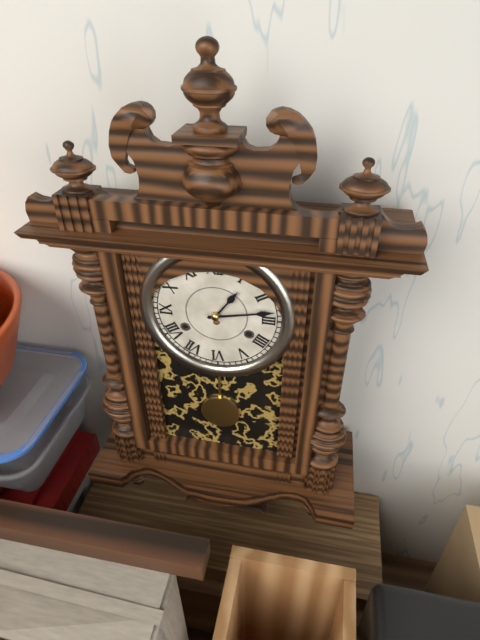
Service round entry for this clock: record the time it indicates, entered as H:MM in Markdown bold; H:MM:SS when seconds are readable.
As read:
**1:13**
